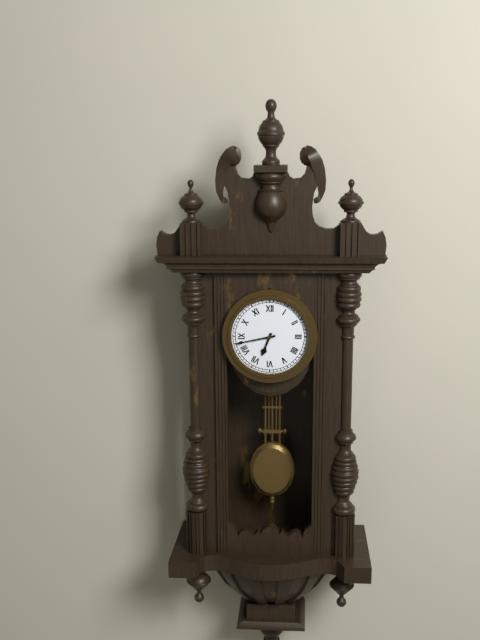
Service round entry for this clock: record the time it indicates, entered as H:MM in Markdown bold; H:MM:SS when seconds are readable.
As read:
**6:43**
